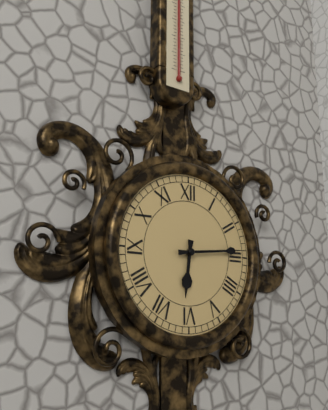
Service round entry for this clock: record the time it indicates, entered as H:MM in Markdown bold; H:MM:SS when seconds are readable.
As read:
**6:14**
